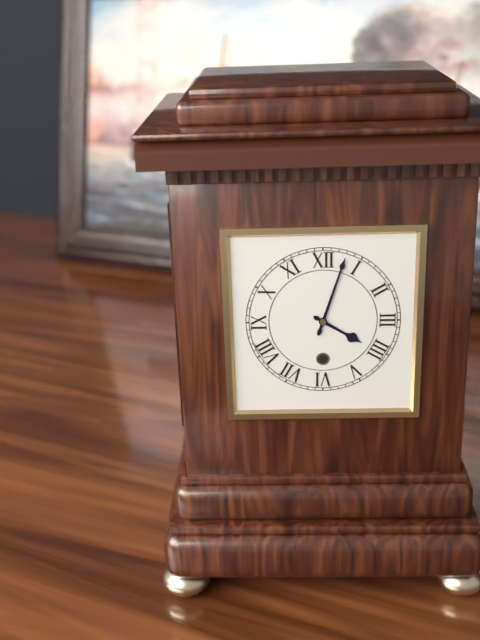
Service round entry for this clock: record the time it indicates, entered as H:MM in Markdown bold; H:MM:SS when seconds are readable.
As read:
**4:03**
